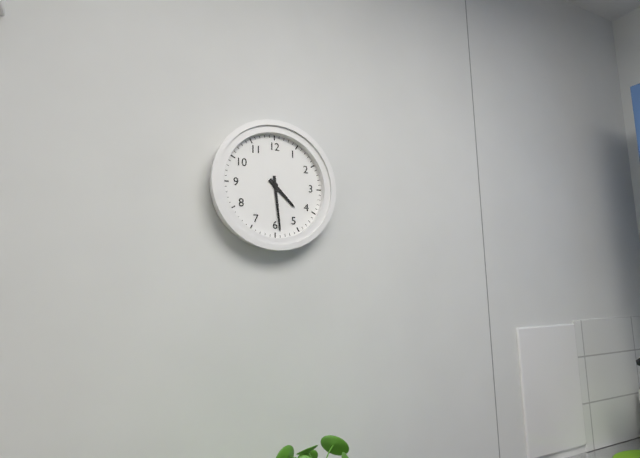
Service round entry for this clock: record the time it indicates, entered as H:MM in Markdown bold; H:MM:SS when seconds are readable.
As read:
**4:29**
